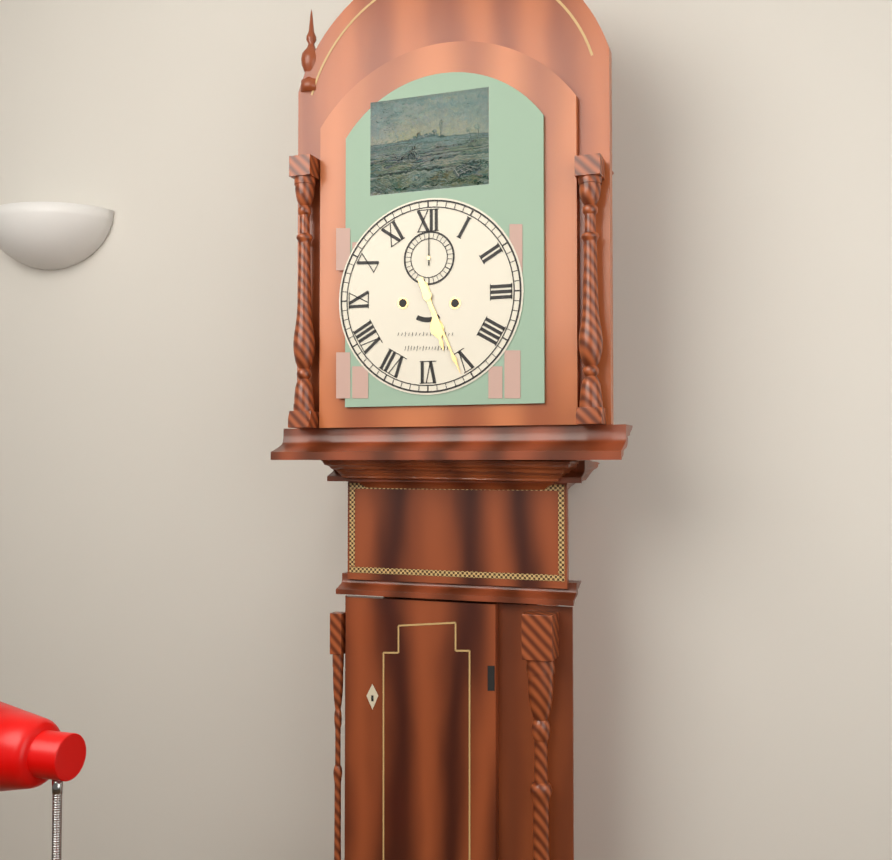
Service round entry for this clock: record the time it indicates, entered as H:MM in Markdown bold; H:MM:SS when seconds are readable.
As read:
**5:26**
